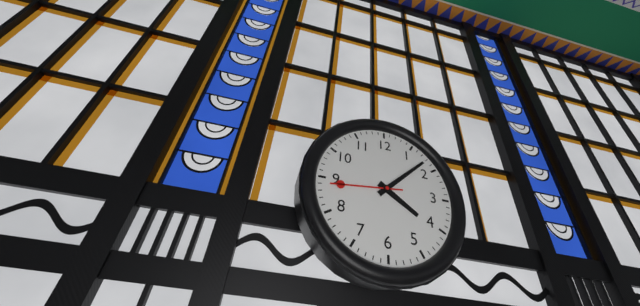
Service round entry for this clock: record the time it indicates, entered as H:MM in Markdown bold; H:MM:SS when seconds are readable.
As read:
**4:08:44**
